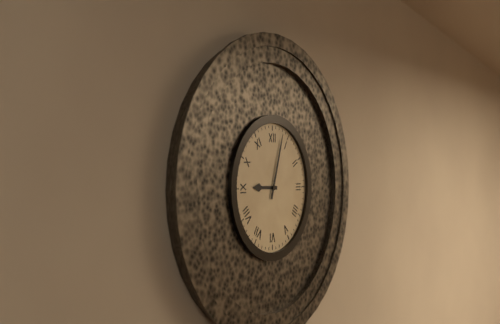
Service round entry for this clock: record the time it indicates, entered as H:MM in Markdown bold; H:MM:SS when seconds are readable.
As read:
**9:03**
